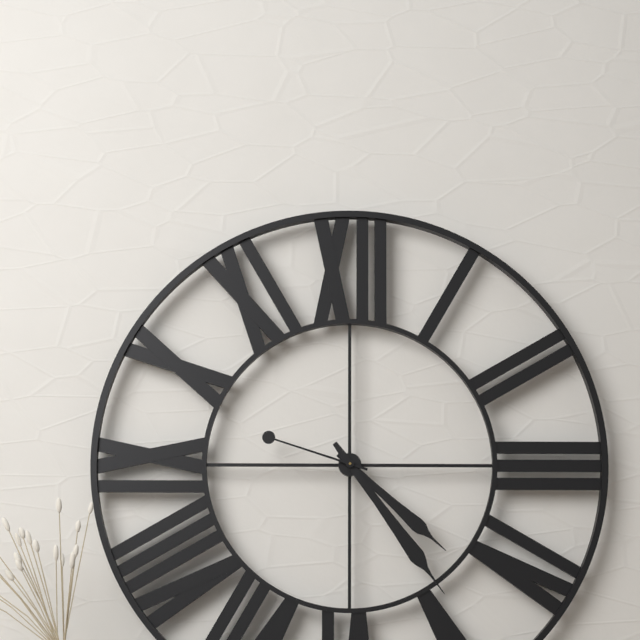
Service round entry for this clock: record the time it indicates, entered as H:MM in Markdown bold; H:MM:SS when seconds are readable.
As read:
**4:24:48**
